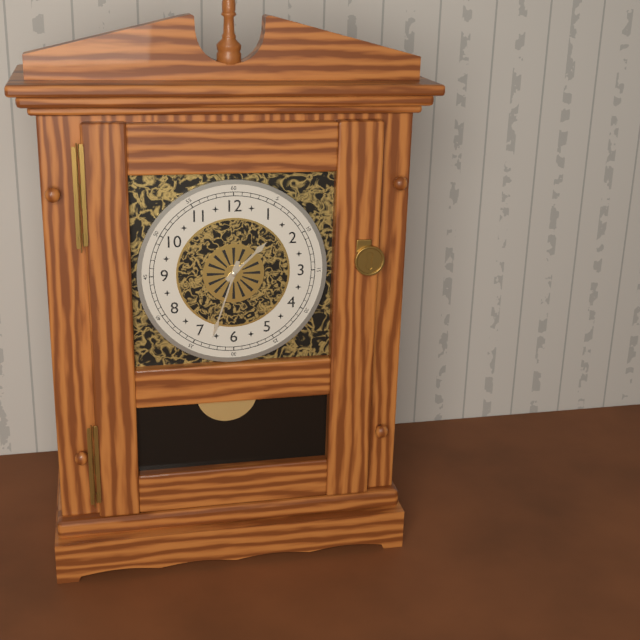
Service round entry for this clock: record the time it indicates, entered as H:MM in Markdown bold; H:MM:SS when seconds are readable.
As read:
**1:33**
